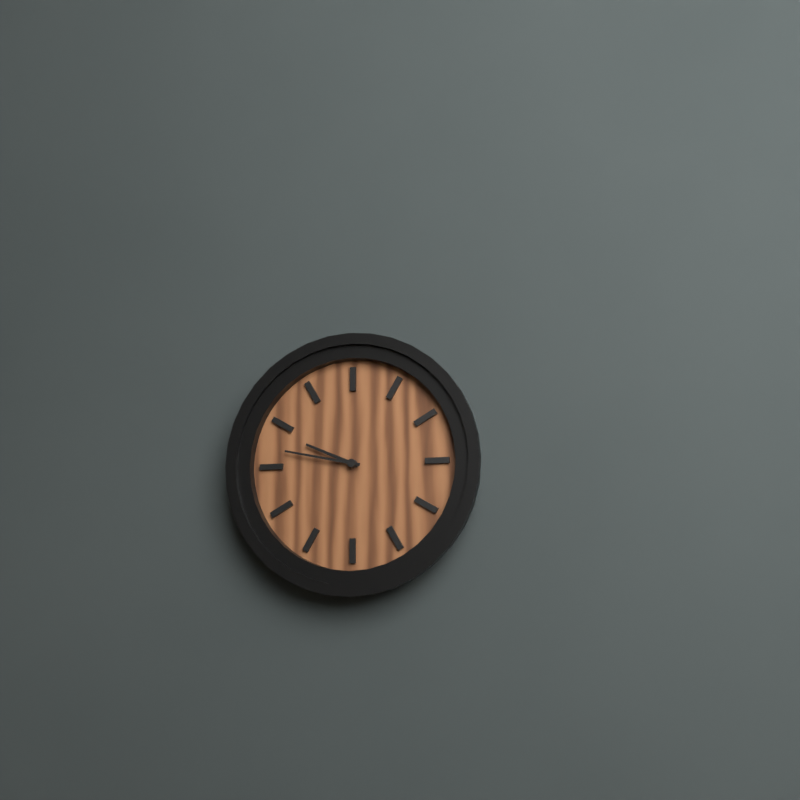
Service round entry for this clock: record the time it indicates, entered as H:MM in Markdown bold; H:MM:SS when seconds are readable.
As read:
**9:47**
